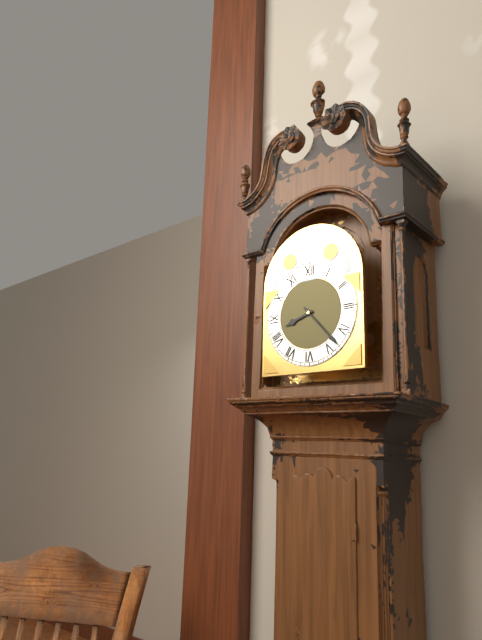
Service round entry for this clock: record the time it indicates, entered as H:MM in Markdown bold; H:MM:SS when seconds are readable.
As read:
**8:23**
